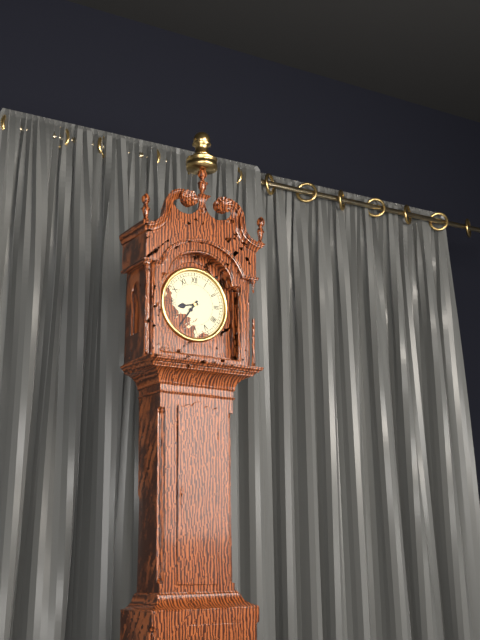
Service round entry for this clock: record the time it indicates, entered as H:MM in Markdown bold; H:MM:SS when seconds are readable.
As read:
**8:36**
